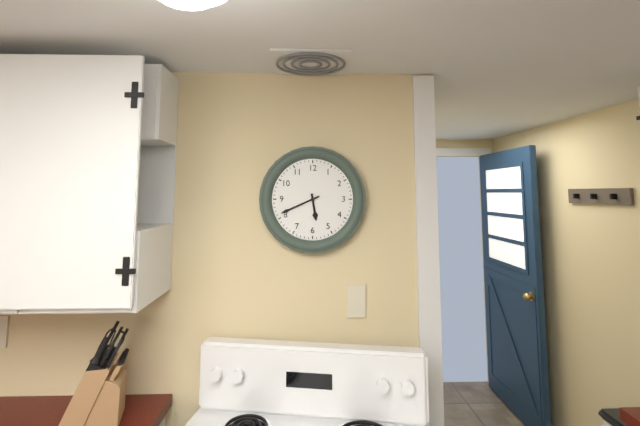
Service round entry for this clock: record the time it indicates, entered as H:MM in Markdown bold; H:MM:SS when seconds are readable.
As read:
**5:41**
